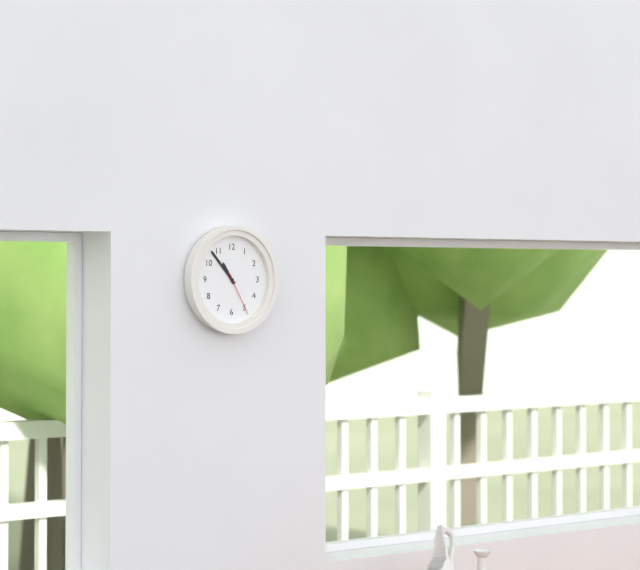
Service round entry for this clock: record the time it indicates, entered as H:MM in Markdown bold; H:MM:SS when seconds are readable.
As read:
**10:53**
